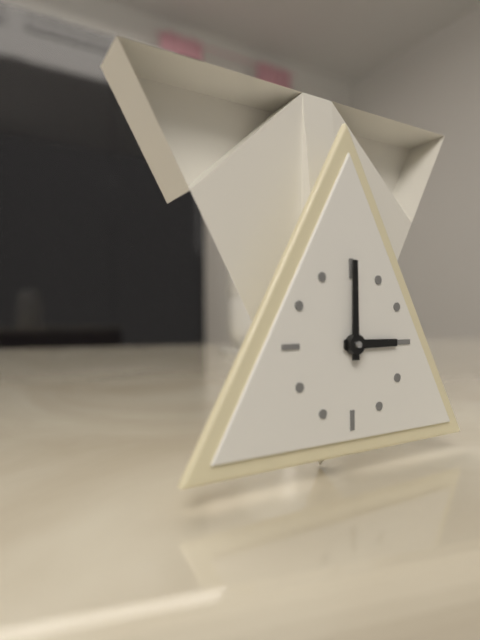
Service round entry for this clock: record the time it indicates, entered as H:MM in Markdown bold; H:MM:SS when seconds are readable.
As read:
**3:00**
